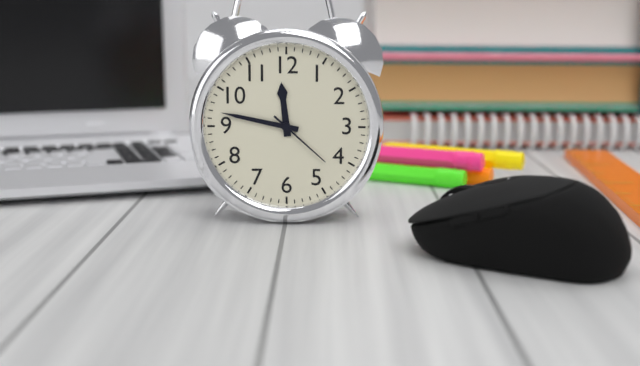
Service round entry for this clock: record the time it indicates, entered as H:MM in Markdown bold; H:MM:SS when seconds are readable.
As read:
**11:47:22**
